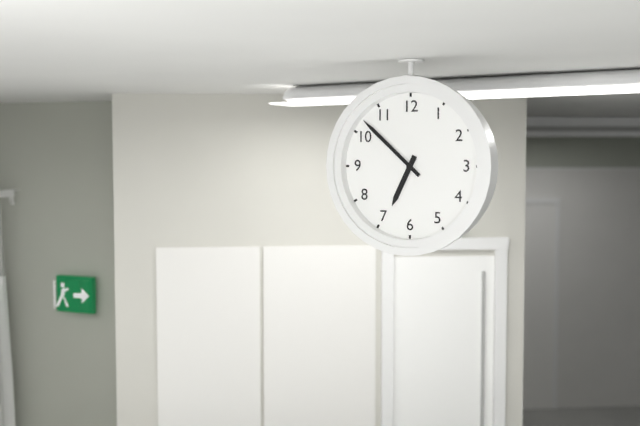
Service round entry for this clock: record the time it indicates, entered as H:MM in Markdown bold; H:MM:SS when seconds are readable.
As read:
**6:52**
